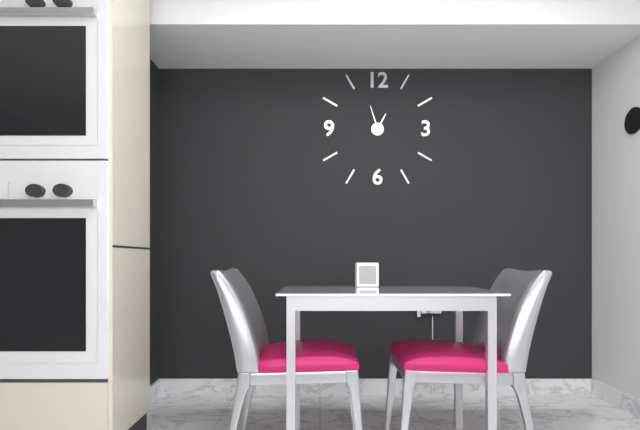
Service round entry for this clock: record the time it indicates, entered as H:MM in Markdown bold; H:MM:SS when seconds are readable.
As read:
**12:57**
